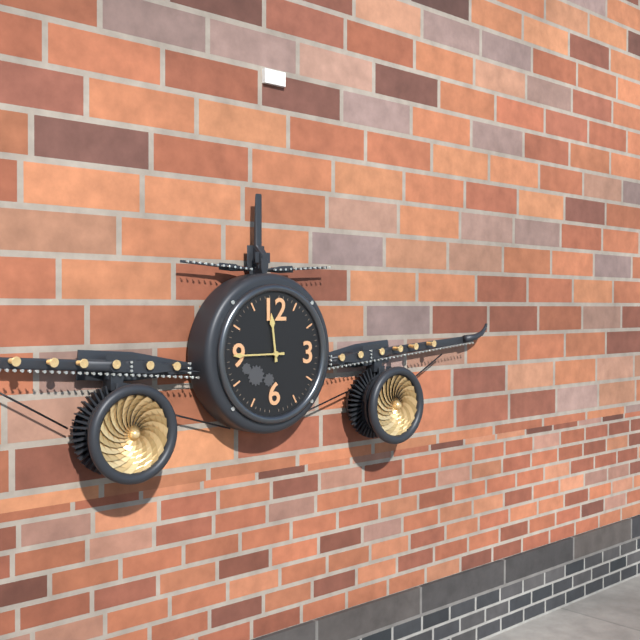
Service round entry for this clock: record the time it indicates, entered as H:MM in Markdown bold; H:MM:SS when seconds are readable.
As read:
**11:45**
